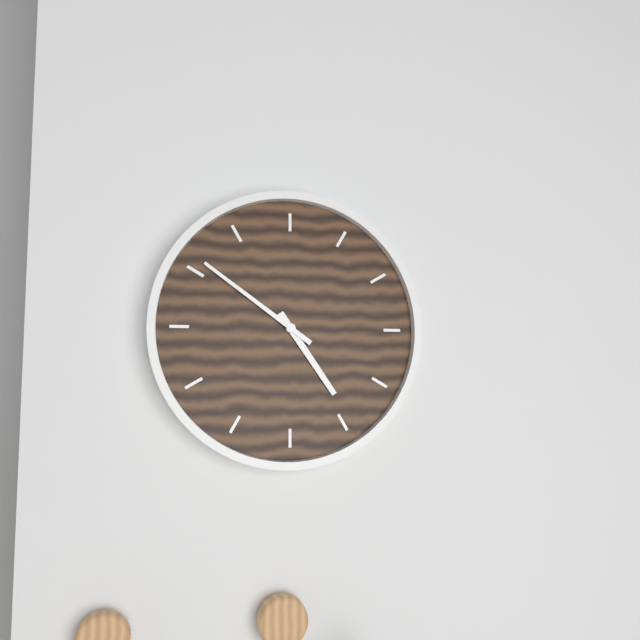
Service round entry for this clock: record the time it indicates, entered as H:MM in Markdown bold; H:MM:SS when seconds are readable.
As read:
**4:51**
